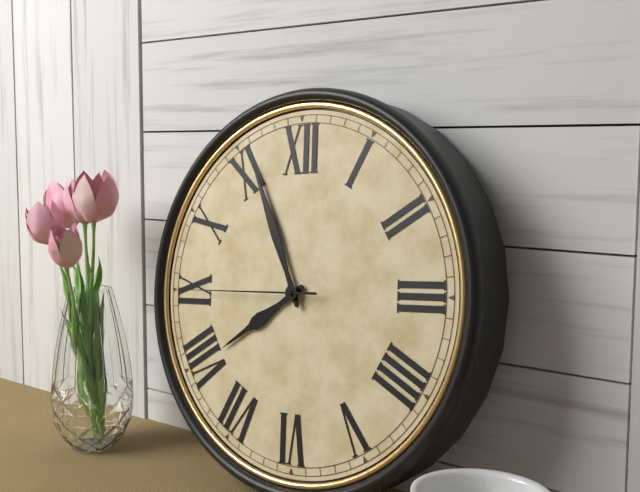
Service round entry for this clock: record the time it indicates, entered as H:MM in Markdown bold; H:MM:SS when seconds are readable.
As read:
**7:56:45**
